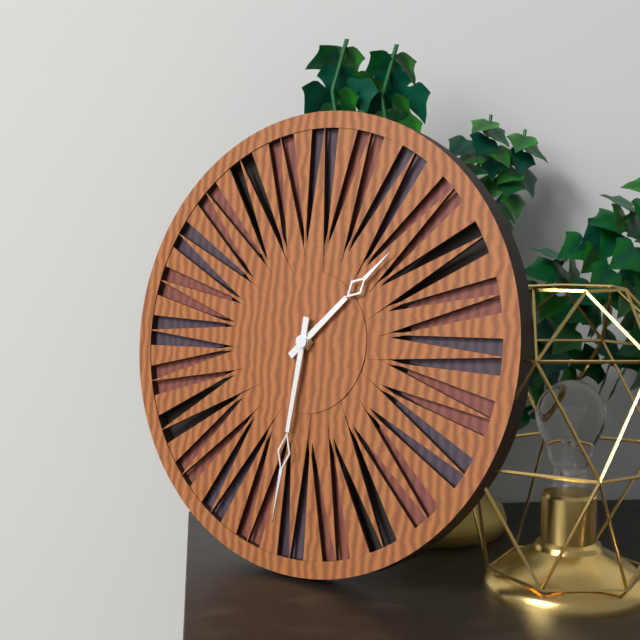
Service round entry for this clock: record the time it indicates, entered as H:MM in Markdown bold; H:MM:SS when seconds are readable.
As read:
**1:31**
